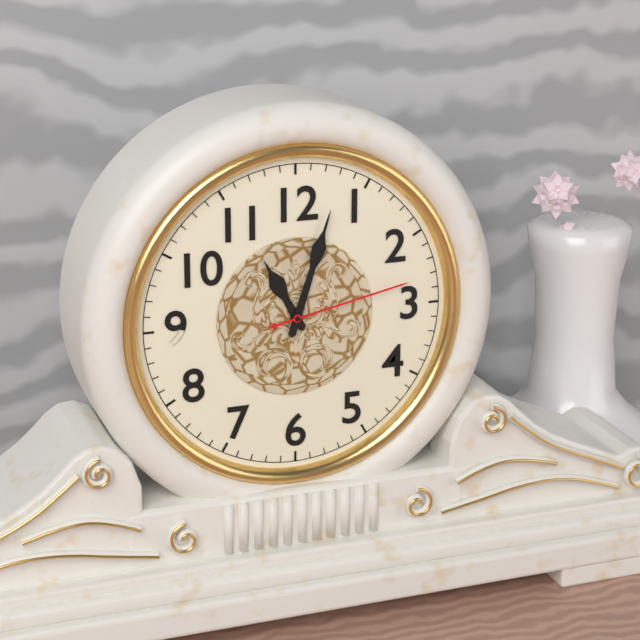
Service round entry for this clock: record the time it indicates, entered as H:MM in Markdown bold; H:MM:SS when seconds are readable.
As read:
**11:03:13**
